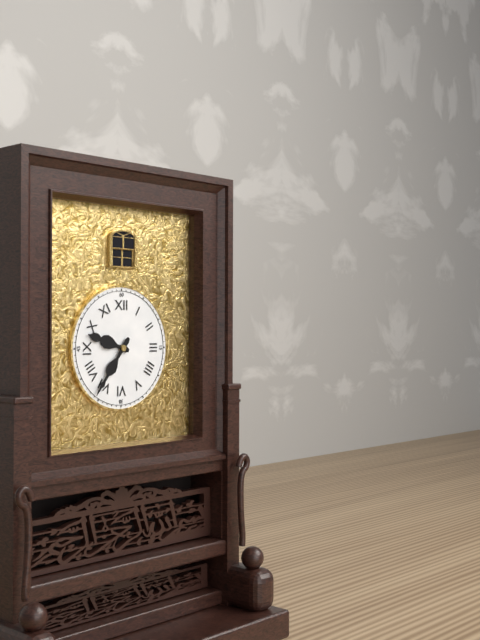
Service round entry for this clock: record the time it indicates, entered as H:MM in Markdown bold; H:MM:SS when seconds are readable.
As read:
**9:36**
